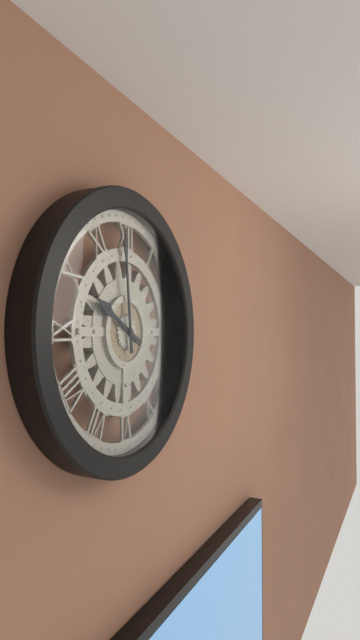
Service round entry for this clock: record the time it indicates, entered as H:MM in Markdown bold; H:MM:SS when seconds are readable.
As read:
**9:59**
